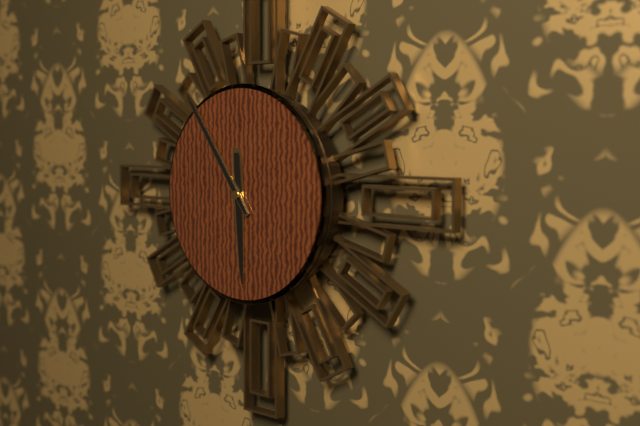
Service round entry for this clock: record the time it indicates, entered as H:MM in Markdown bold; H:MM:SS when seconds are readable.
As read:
**5:54**
